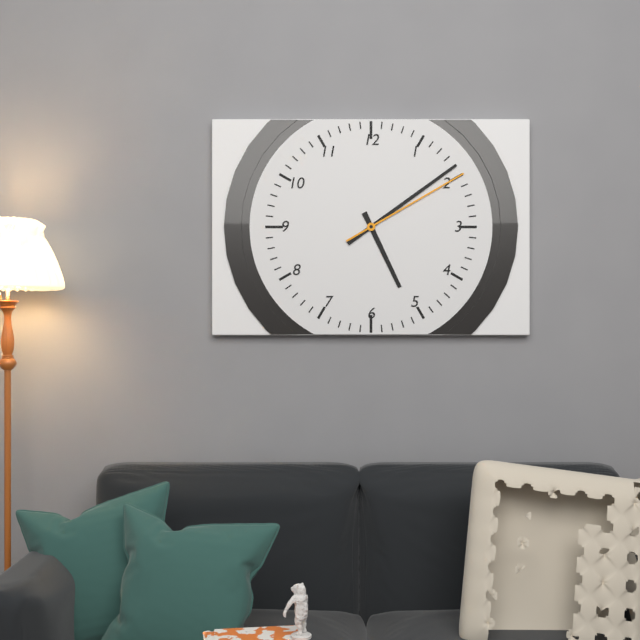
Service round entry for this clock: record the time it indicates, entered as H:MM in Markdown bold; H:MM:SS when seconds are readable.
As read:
**5:09:10**
